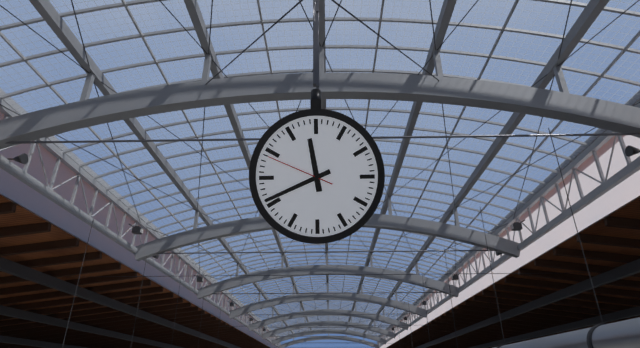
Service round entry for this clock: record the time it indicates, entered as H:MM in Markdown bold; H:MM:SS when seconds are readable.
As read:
**11:41:49**
